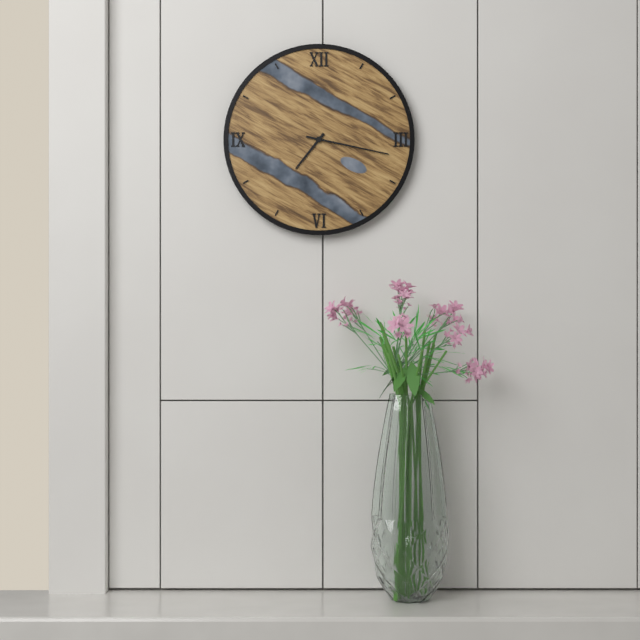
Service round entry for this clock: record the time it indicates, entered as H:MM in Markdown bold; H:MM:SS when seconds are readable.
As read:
**7:17**
